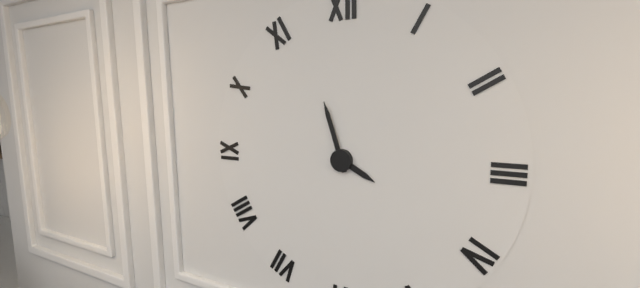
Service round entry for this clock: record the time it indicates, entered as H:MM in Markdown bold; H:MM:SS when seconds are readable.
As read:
**3:57**
